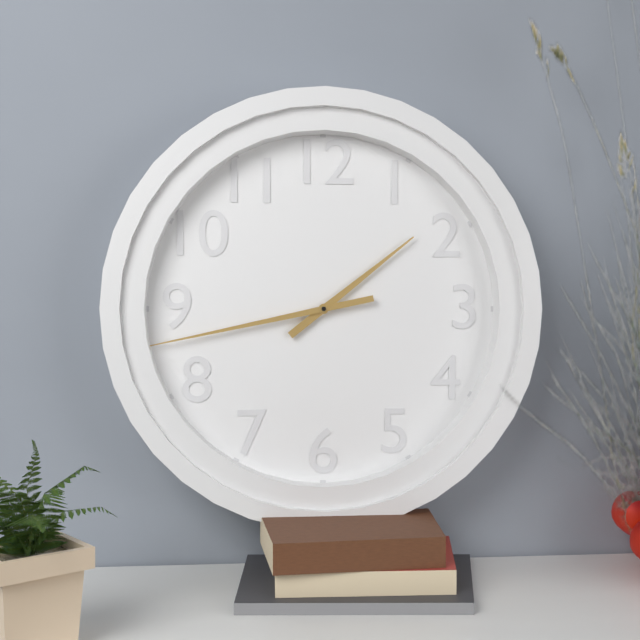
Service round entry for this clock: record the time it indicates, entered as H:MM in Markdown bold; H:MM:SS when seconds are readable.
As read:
**1:43**
